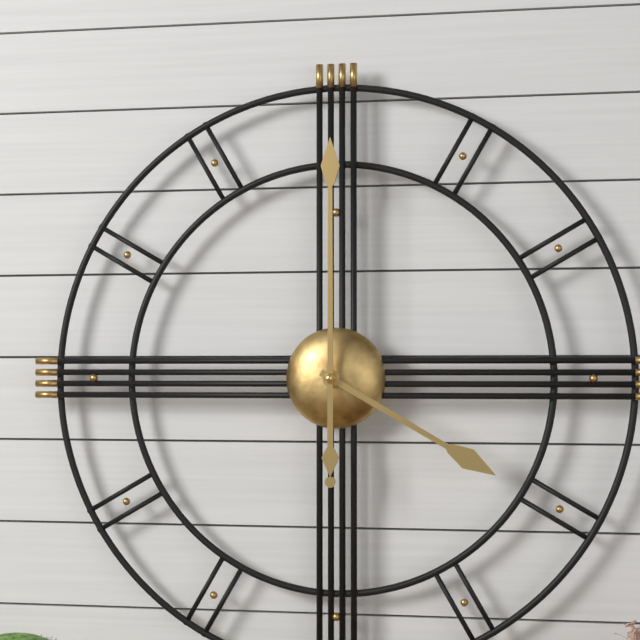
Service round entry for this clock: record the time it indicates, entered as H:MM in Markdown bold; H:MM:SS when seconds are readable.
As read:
**4:00**
